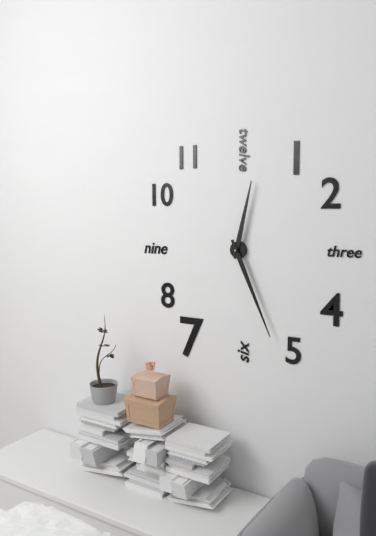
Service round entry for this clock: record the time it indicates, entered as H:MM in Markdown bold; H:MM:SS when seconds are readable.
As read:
**12:26**
